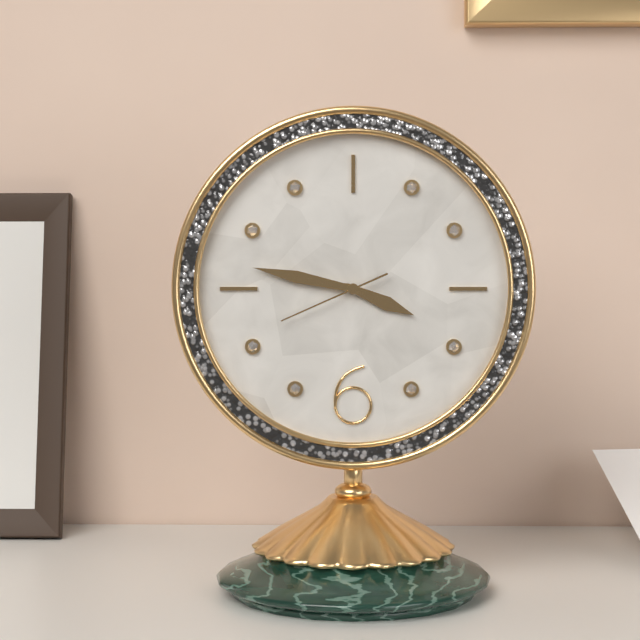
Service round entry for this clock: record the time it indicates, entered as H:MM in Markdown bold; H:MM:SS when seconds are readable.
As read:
**3:47:41**
